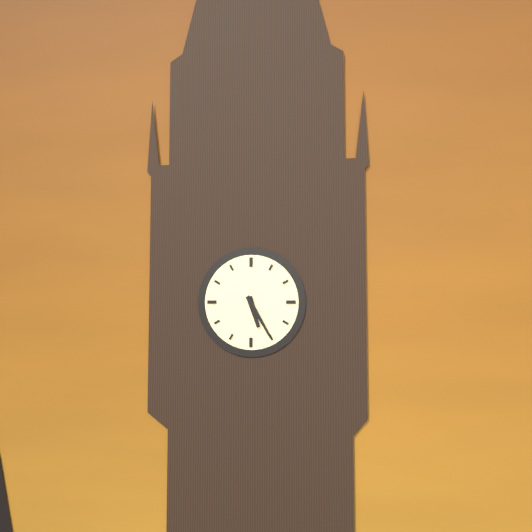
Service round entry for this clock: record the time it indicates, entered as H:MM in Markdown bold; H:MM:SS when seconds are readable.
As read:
**5:25**
